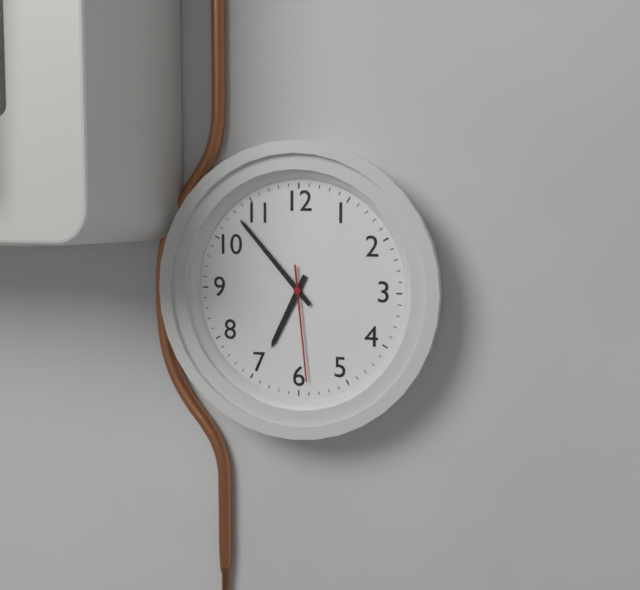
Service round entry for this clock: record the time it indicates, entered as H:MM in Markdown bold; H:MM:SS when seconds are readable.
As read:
**6:53:29**
